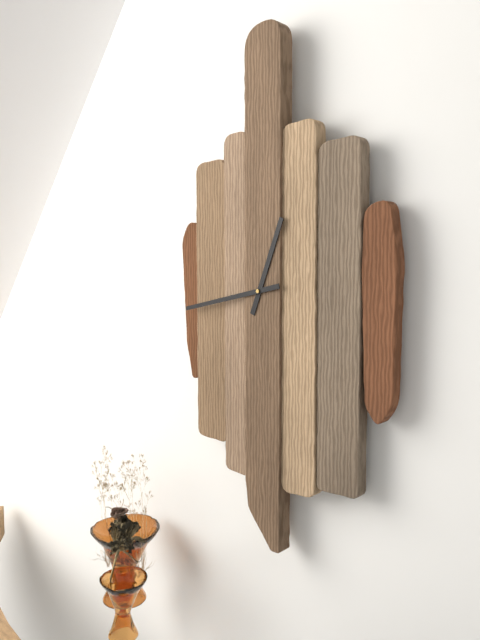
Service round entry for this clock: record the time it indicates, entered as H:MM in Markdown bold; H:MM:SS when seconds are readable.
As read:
**12:43**
